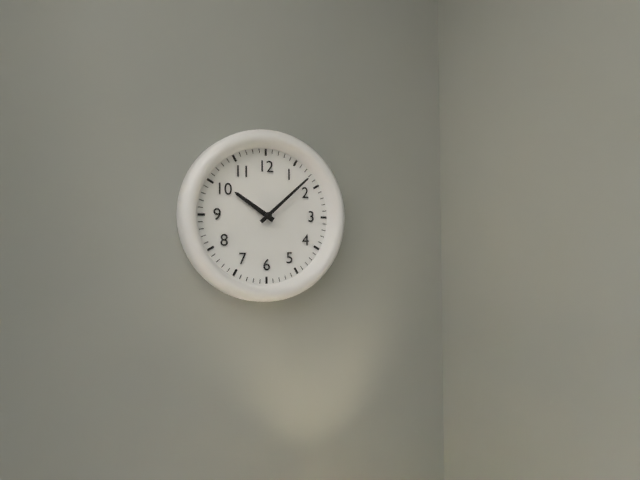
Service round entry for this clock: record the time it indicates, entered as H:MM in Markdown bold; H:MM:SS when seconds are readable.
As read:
**10:08**
